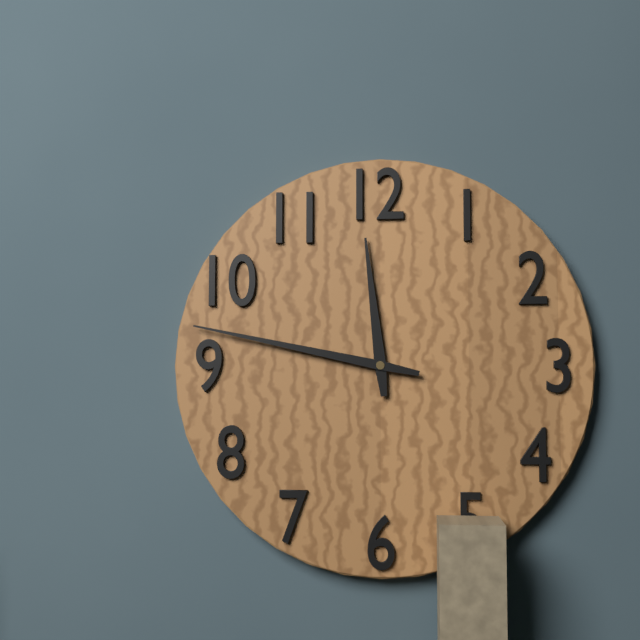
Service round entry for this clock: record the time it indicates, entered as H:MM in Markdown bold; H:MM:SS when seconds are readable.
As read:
**11:47**
